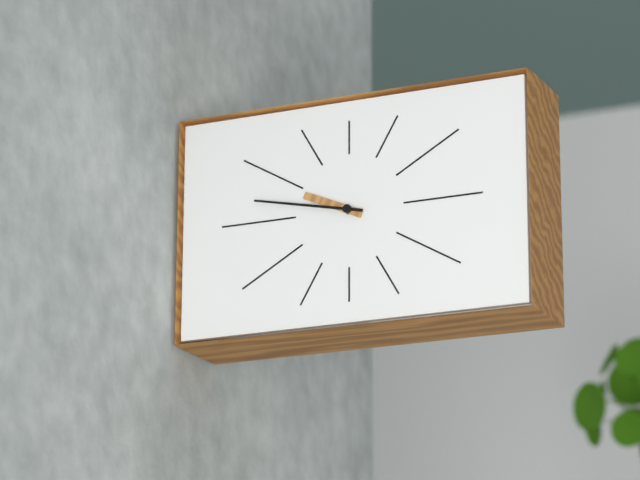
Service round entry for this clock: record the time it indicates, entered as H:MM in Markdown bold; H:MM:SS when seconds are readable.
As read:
**9:47**
